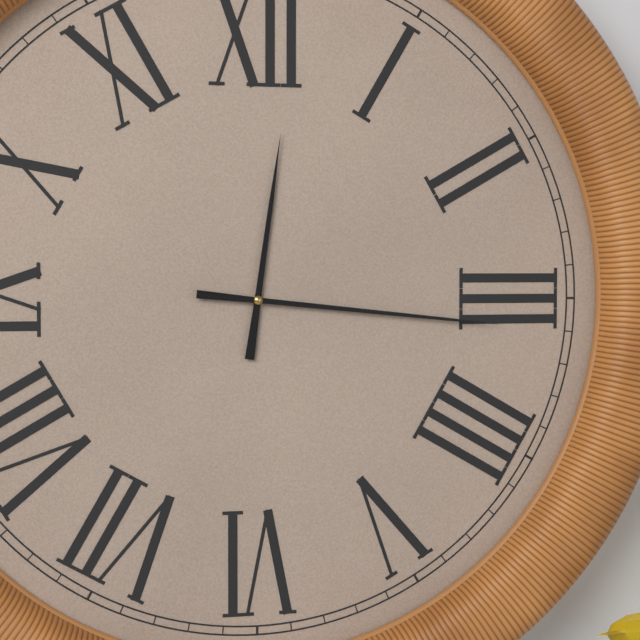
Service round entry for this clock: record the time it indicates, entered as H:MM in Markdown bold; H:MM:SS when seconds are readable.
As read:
**12:16**
